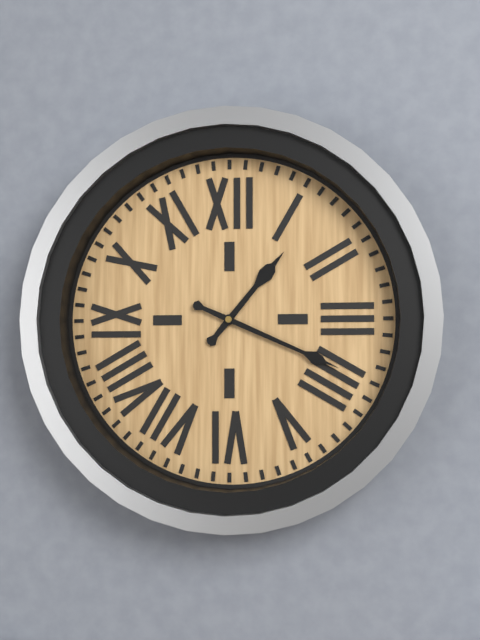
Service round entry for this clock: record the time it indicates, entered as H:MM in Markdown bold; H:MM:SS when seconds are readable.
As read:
**1:19**
